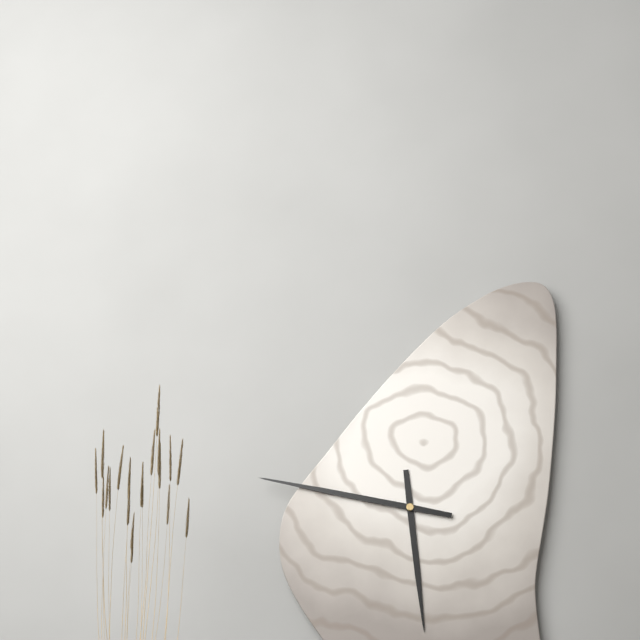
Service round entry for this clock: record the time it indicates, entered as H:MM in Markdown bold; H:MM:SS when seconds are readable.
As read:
**5:47**
